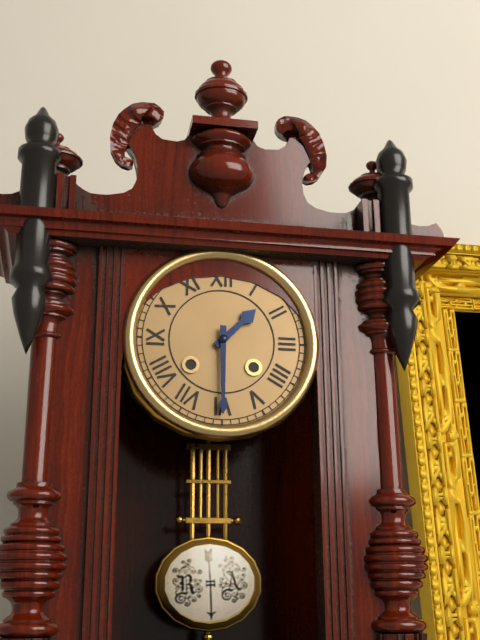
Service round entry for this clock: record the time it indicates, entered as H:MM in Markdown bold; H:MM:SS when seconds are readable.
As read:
**1:30**
